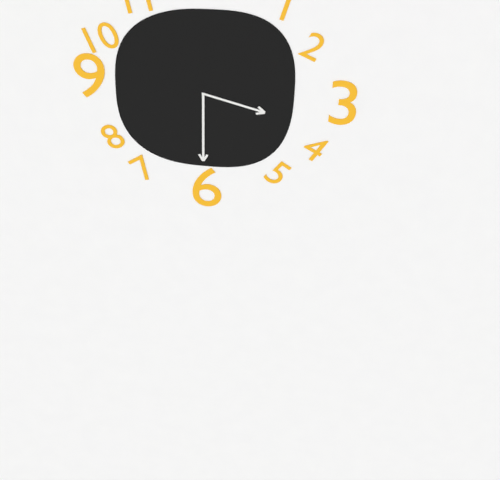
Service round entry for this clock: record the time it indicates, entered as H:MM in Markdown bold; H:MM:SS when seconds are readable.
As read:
**3:30**
